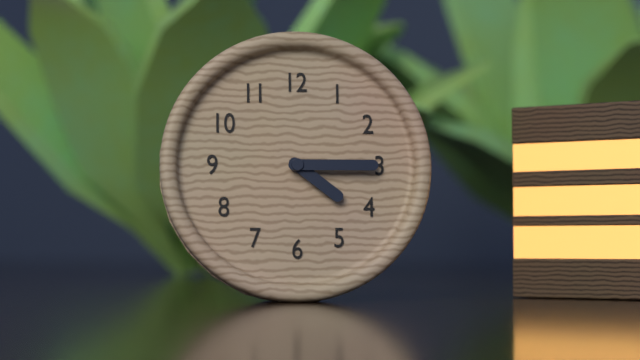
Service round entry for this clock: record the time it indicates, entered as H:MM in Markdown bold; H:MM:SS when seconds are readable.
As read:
**4:15**
